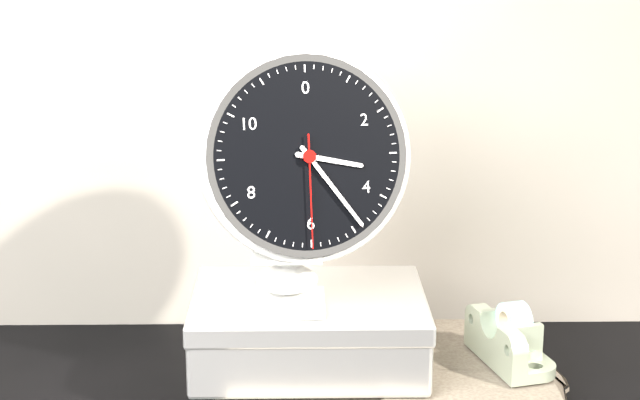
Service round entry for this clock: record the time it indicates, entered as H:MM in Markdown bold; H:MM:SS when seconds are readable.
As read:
**3:24:30**
